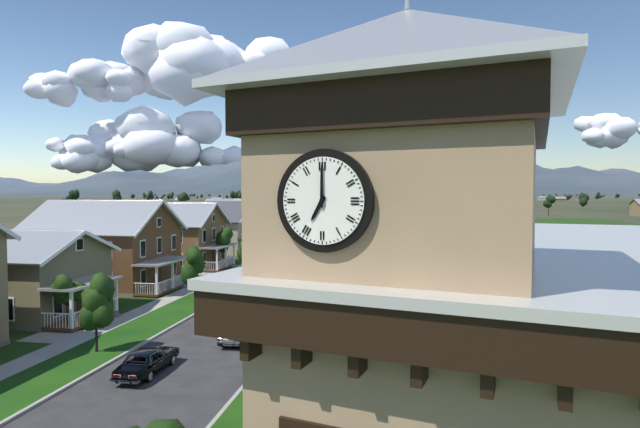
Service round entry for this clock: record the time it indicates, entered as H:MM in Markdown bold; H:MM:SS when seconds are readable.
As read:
**7:00**
